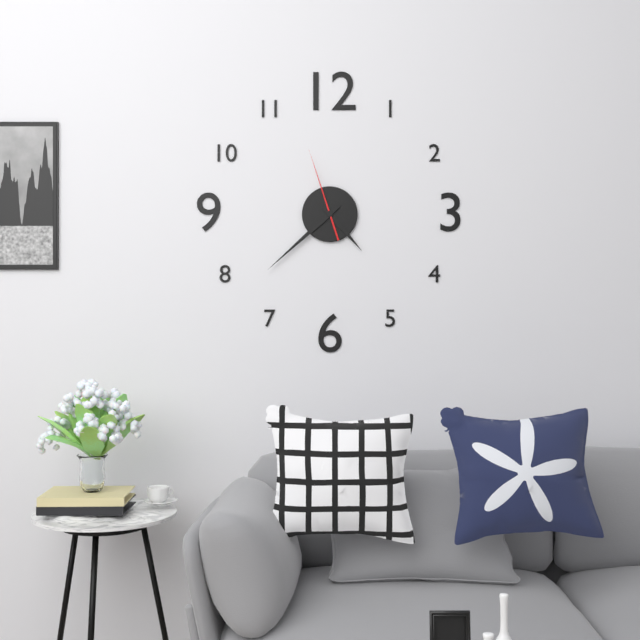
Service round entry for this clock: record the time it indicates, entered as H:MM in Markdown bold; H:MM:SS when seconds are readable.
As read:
**4:38:57**
